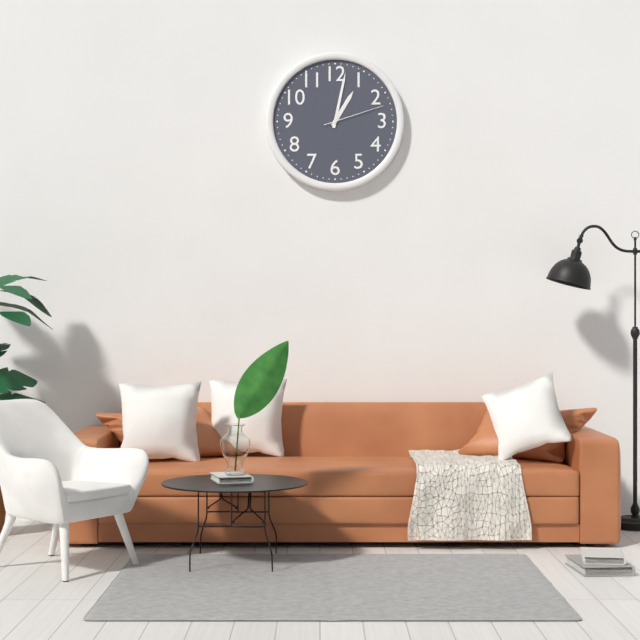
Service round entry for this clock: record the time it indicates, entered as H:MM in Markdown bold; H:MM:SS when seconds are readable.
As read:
**1:02:12**
